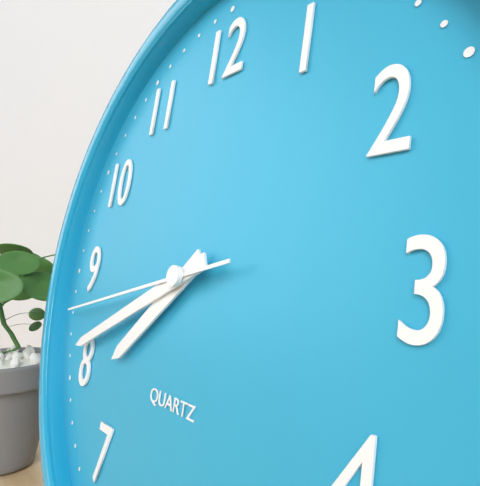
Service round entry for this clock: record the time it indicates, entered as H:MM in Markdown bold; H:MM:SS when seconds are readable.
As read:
**7:41:43**
